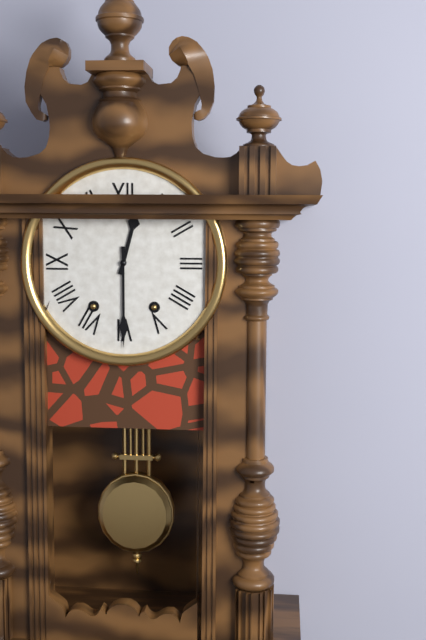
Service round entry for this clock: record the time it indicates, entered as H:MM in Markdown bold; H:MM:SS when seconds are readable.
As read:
**12:30**
